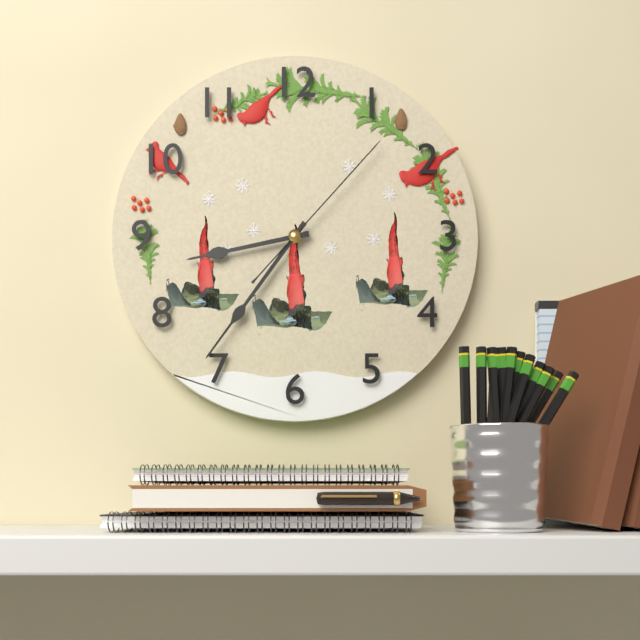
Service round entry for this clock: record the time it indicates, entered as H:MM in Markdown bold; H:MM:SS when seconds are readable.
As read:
**8:36:07**
